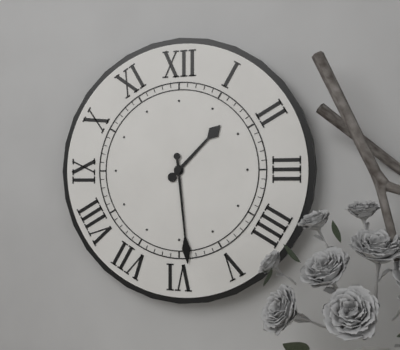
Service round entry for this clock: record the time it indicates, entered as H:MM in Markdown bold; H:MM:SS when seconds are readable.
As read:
**1:29**
